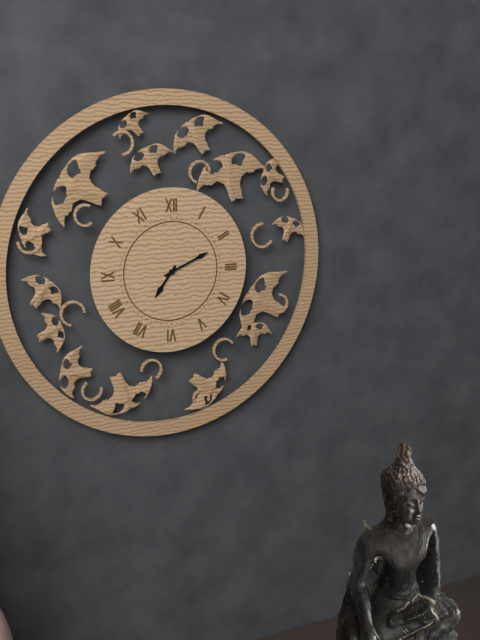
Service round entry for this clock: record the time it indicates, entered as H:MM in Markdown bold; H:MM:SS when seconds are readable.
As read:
**7:11**
